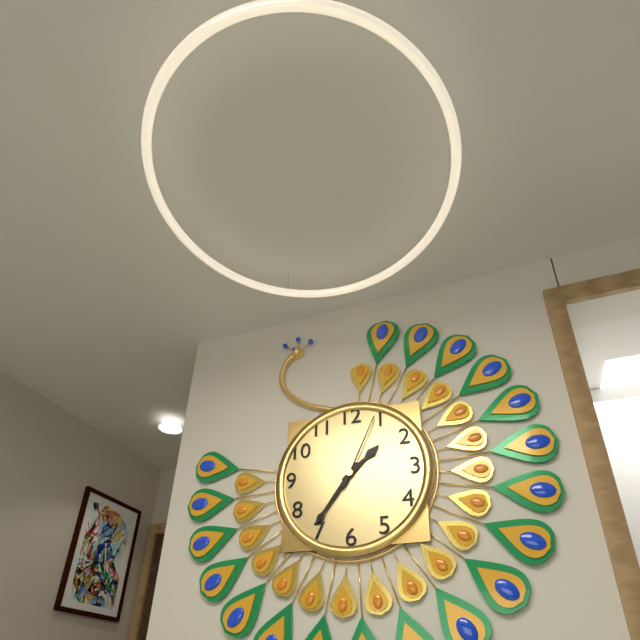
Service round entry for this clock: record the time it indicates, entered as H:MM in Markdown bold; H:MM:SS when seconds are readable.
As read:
**1:36:04**
